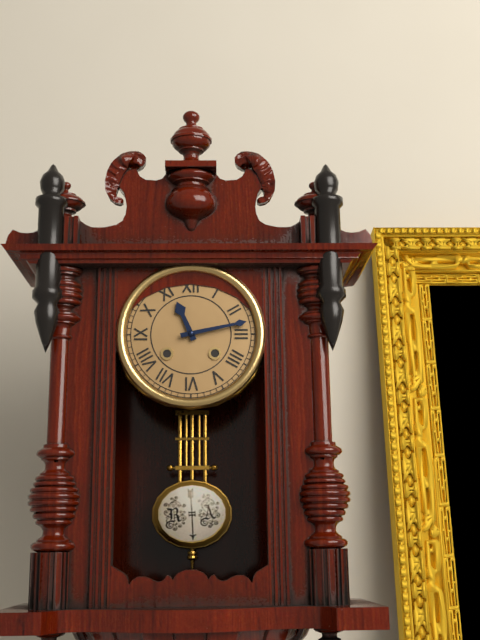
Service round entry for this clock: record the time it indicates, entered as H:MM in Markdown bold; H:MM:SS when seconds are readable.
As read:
**11:13**
